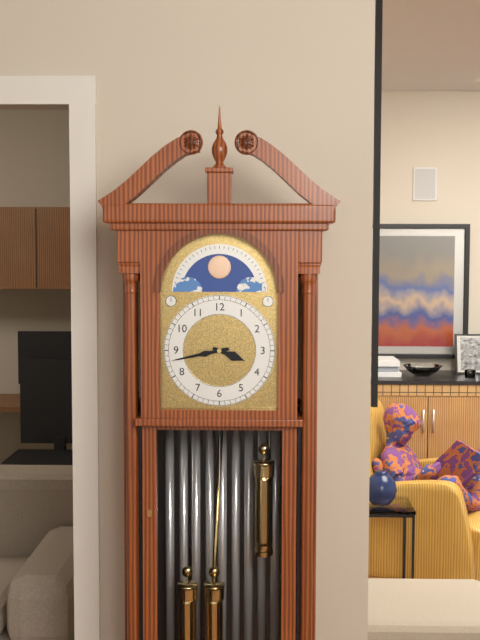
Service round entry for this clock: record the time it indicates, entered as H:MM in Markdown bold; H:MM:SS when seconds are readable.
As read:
**3:43**
